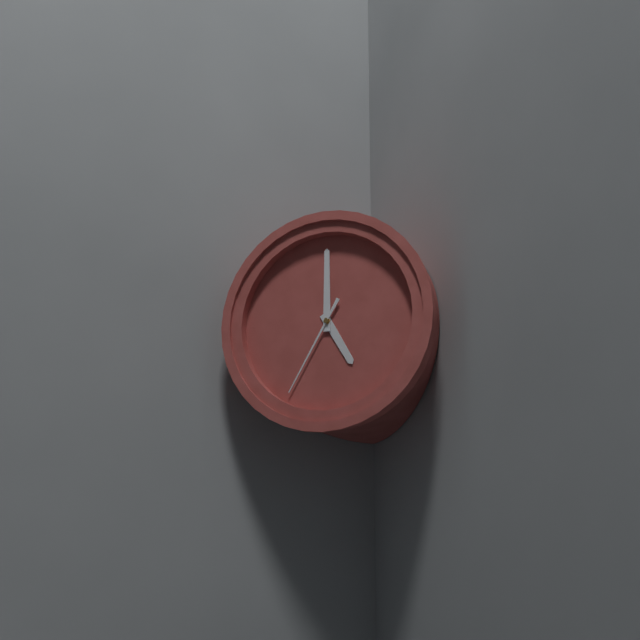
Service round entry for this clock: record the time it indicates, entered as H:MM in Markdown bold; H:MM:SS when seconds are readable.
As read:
**5:00:35**
